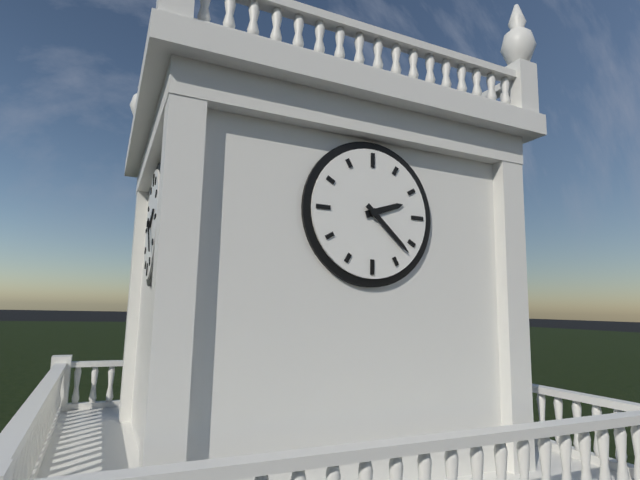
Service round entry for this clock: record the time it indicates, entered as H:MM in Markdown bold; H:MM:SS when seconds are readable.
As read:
**2:22**
